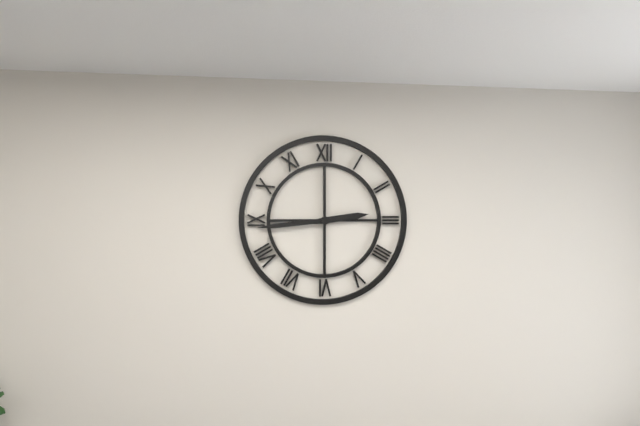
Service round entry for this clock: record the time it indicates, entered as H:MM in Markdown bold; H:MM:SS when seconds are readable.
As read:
**2:44**
